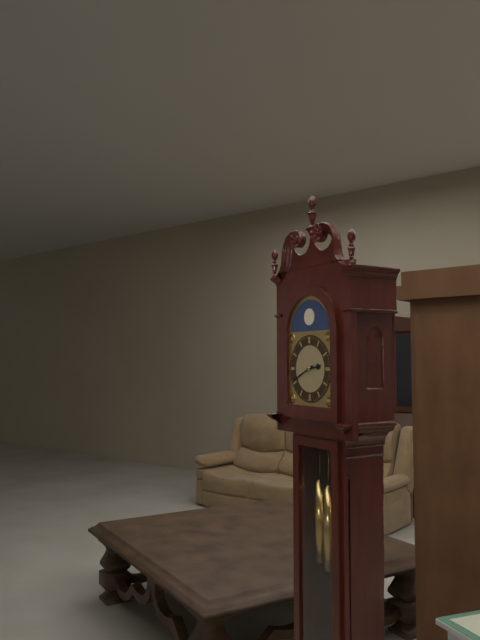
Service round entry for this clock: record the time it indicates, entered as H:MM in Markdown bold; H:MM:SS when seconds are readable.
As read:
**2:41**
